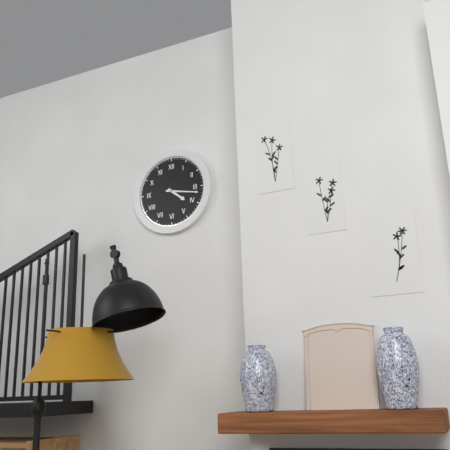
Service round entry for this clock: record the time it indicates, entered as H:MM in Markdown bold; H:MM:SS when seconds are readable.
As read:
**4:17**
